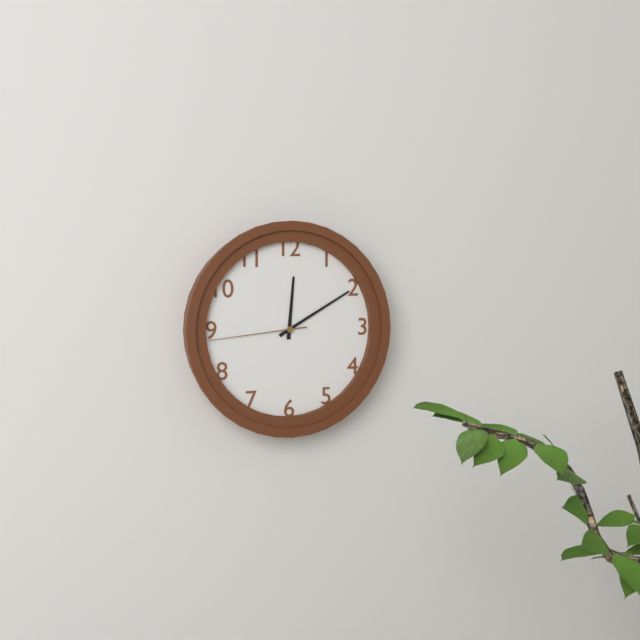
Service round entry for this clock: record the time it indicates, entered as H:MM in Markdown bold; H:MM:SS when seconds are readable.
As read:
**12:10:44**
